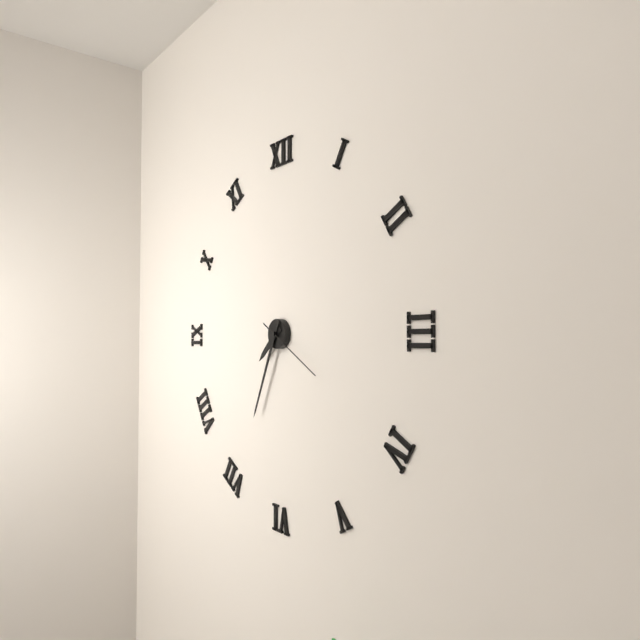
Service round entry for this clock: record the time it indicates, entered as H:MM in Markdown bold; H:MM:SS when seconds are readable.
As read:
**7:34:20**
